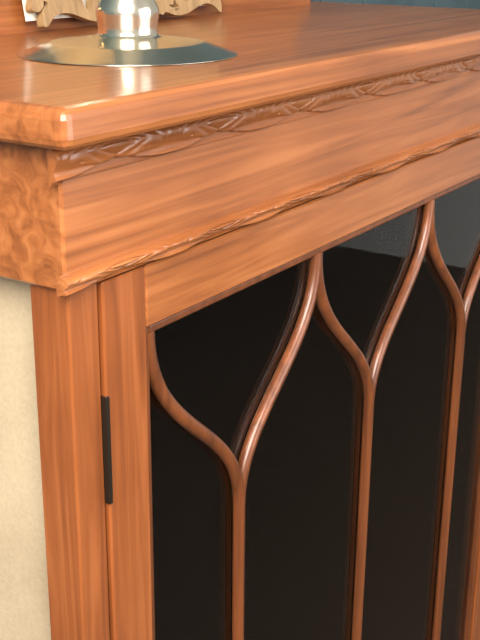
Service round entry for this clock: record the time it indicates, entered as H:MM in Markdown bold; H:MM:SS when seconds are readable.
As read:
**2:01**
